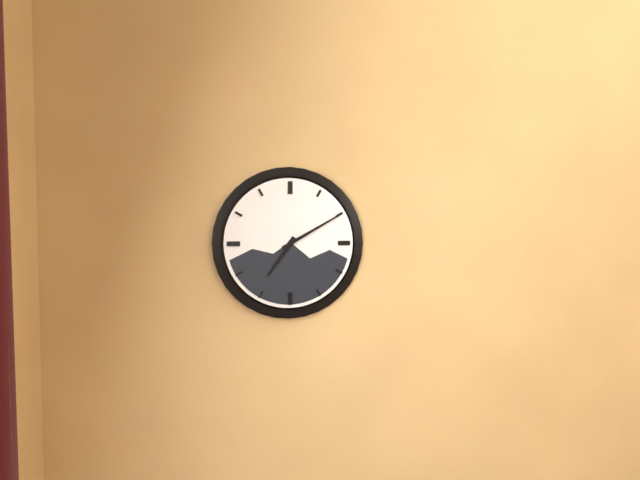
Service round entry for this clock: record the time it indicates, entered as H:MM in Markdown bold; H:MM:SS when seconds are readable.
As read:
**7:10**
